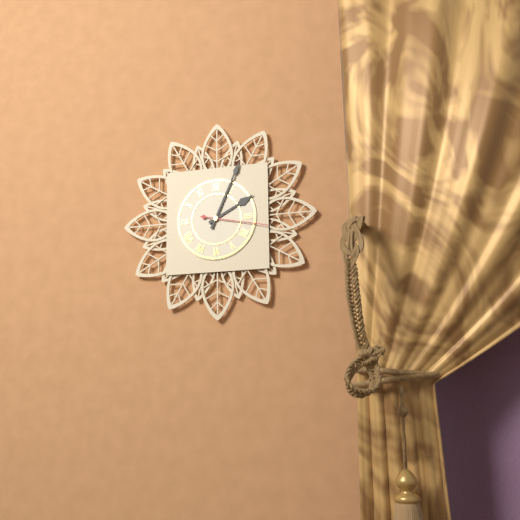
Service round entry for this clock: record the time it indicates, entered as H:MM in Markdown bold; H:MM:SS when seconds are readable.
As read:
**2:04:17**
